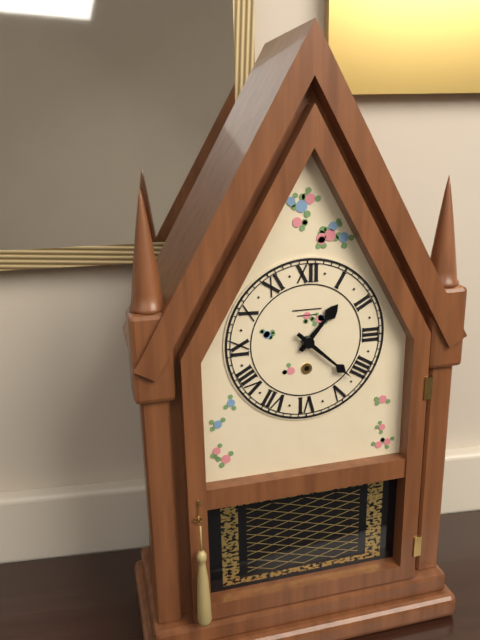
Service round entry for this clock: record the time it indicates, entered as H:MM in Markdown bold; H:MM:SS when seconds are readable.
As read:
**1:22**
